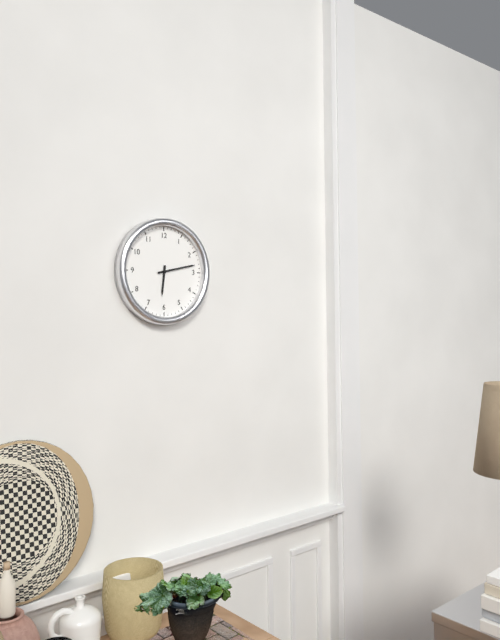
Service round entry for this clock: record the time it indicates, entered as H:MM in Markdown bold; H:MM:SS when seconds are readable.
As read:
**6:13**
